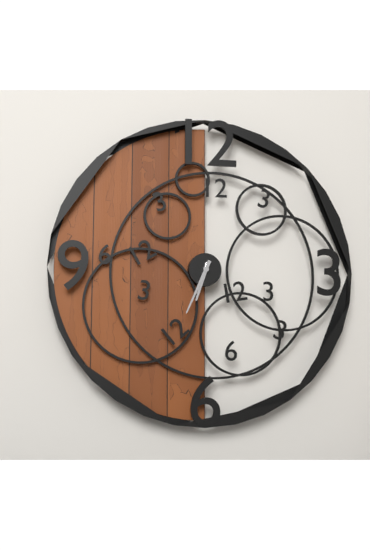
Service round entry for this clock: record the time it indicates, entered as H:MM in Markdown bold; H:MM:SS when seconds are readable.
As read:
**6:34**
